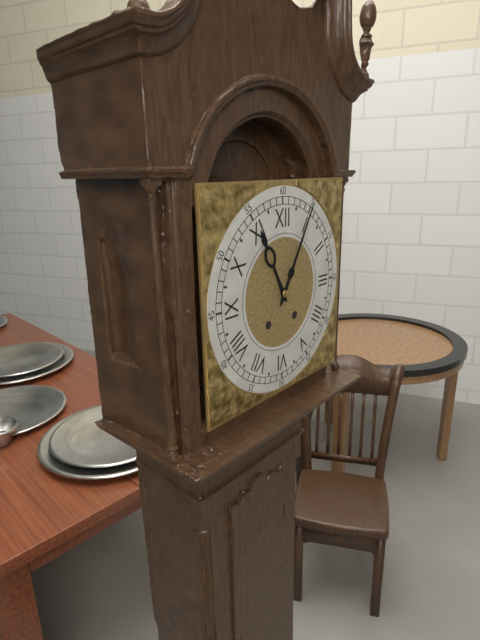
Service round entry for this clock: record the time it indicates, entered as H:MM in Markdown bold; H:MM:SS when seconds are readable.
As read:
**11:05**
